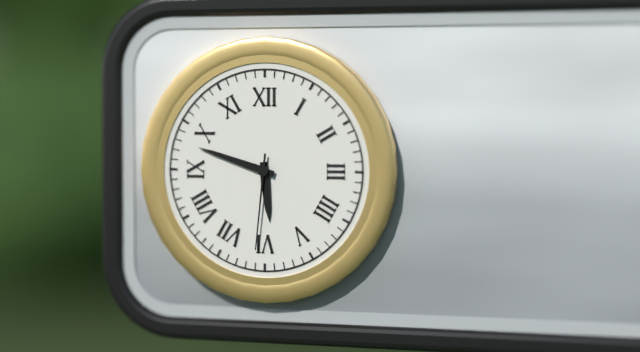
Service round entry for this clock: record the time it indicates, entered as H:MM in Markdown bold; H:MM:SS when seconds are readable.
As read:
**5:48:31**
